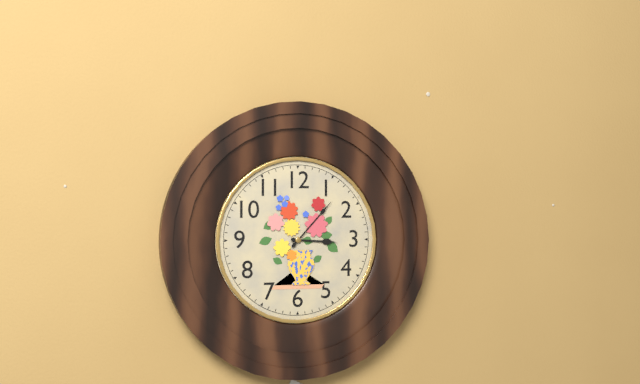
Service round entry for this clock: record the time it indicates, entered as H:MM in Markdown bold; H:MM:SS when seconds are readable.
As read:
**3:07**
